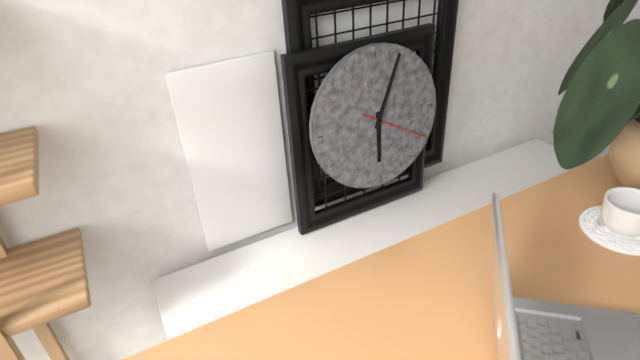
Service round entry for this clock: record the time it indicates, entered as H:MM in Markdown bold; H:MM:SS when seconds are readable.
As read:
**6:04:20**
